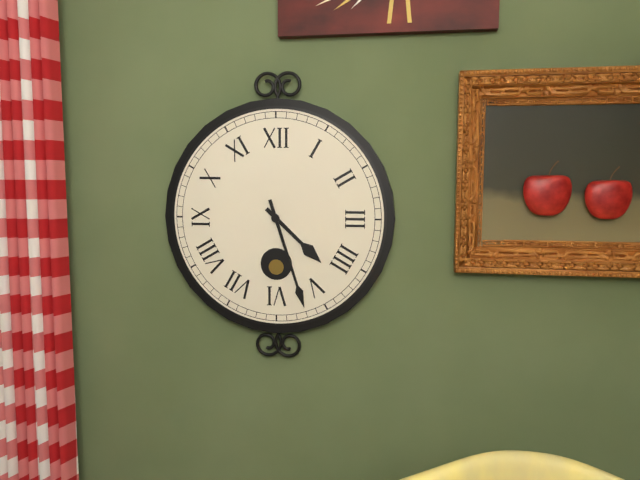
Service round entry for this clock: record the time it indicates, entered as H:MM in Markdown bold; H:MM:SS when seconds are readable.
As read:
**4:27**
